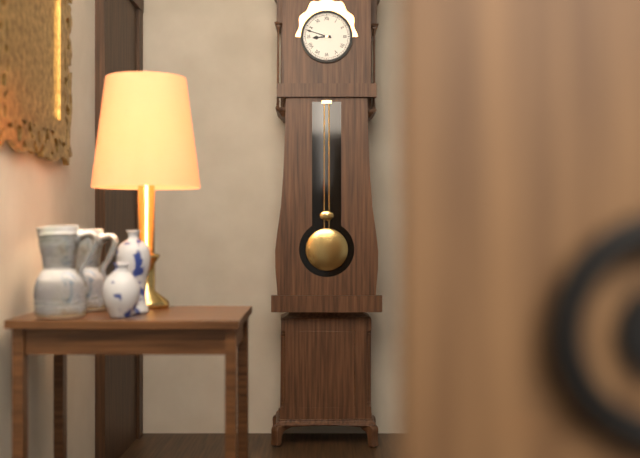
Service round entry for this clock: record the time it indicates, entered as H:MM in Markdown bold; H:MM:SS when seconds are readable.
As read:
**8:48**
